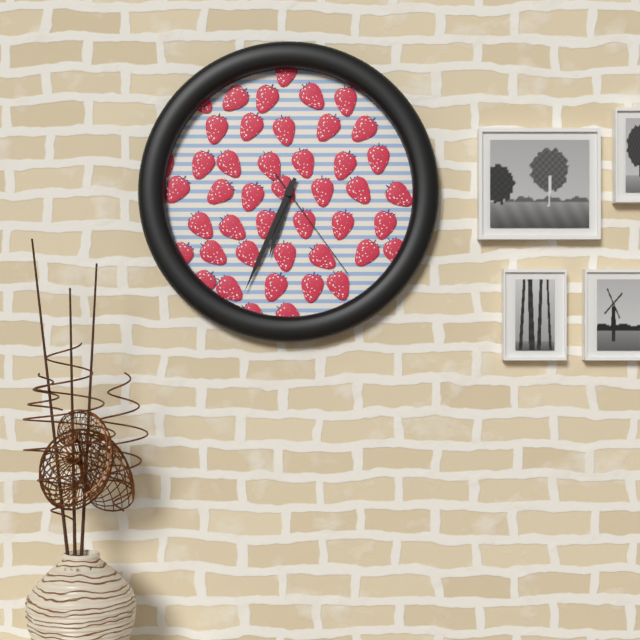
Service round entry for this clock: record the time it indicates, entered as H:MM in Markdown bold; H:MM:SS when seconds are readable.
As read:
**6:34:24**
